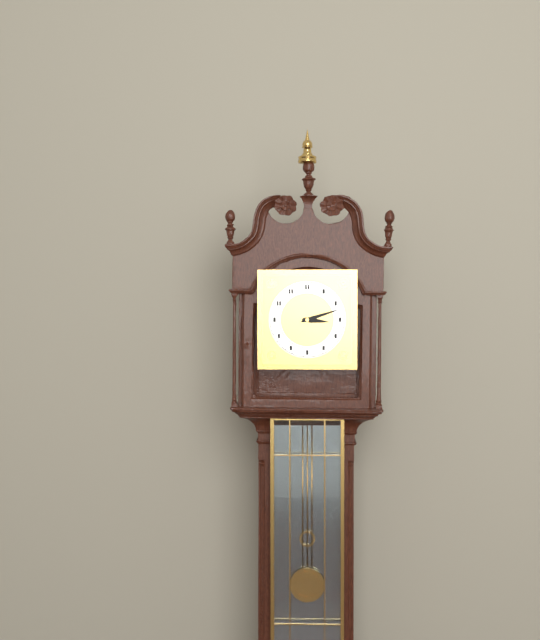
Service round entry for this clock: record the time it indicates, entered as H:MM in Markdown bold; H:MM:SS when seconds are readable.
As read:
**3:12**
